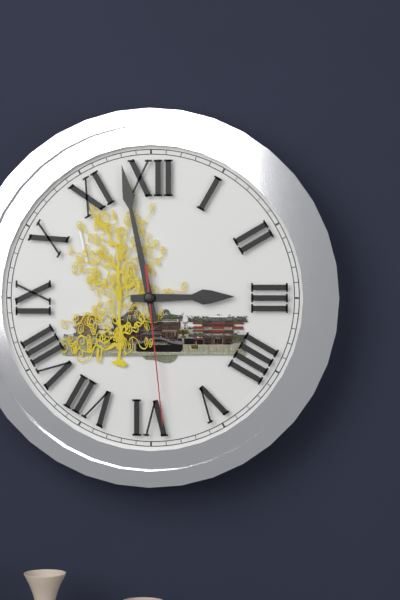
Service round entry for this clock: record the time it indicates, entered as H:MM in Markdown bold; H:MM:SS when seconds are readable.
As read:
**2:58:29**
